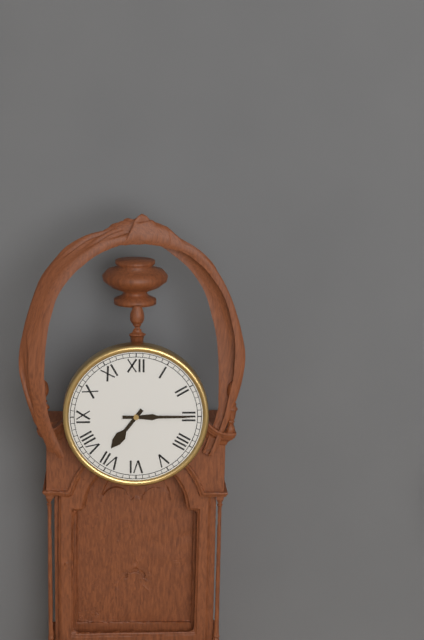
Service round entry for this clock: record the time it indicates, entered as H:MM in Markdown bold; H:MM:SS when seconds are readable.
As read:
**7:15**
